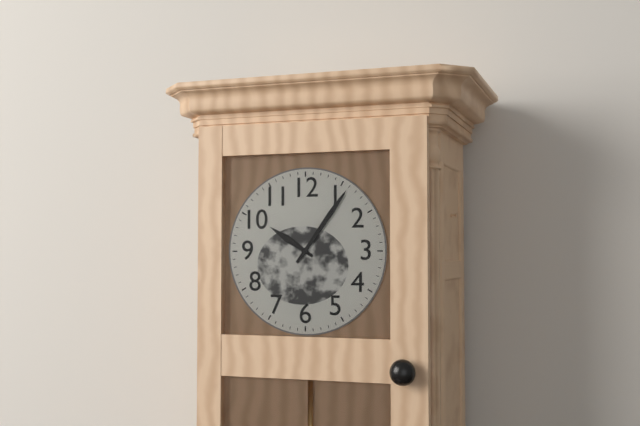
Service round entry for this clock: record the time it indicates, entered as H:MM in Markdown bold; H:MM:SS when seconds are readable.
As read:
**10:06**
